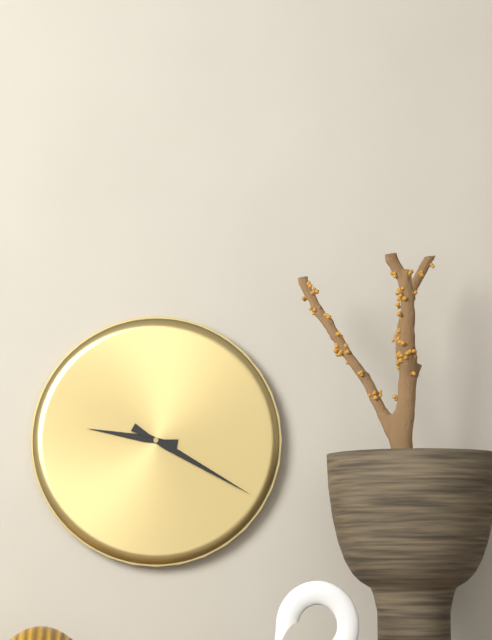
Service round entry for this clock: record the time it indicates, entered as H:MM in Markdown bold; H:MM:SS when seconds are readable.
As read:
**9:20**
